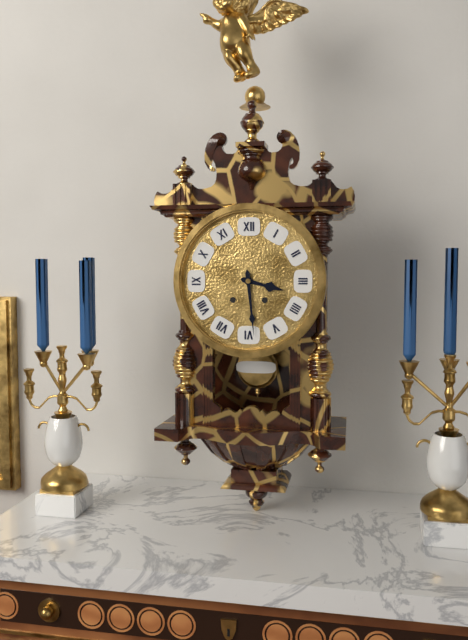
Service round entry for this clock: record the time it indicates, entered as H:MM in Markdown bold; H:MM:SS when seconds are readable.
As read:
**3:29**
